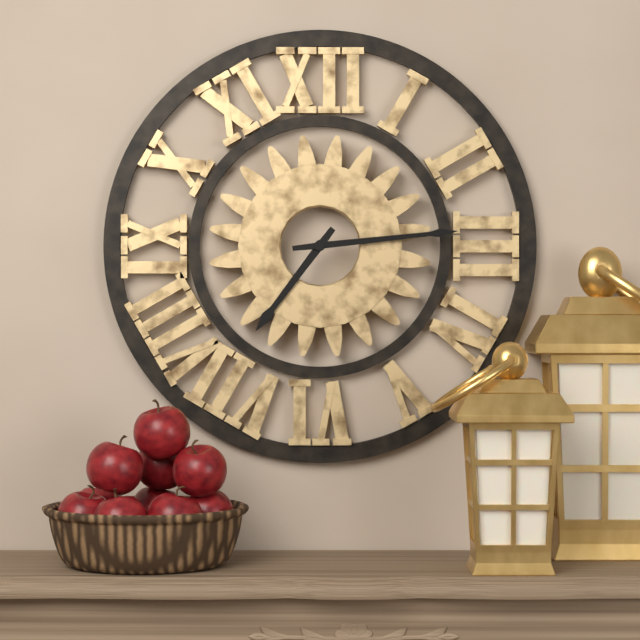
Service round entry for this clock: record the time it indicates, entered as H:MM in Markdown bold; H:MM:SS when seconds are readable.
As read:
**7:14**
